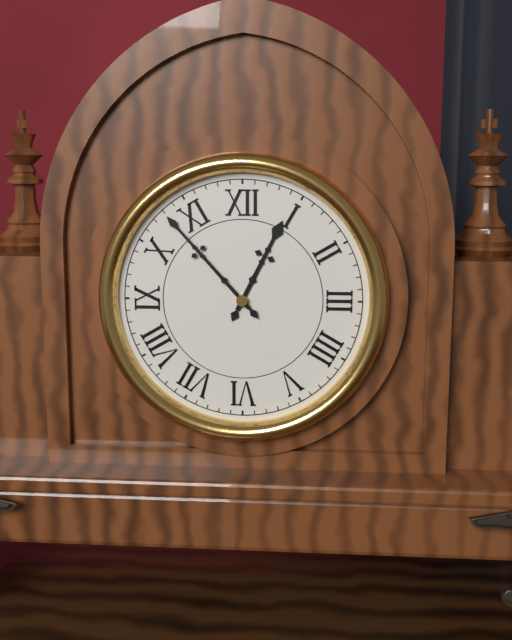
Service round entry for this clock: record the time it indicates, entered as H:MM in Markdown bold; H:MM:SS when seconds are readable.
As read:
**12:53**
